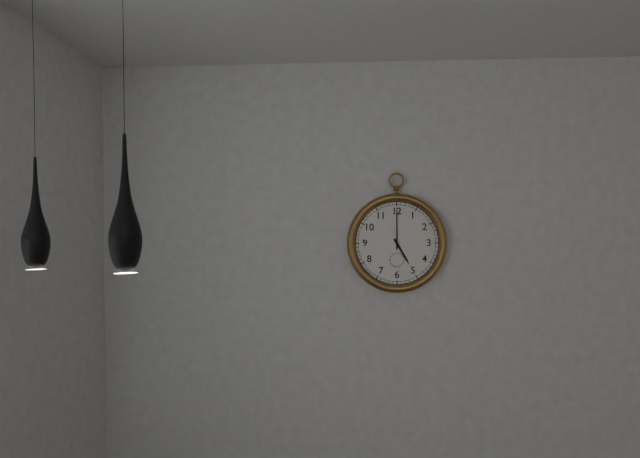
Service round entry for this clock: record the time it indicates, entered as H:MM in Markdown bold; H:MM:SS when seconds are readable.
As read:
**5:00**
